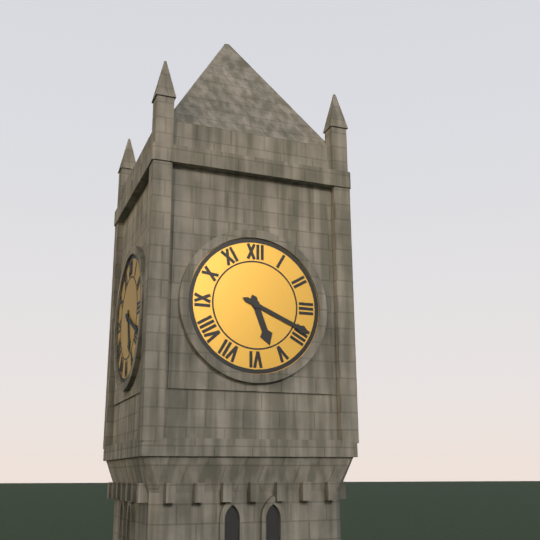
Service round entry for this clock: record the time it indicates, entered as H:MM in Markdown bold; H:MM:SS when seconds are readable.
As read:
**5:19**
